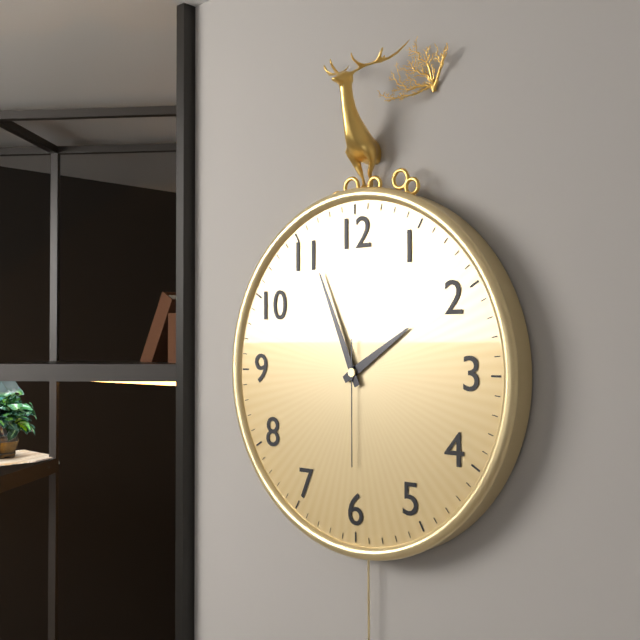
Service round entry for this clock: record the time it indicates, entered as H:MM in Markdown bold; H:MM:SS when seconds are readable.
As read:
**1:56:30**
